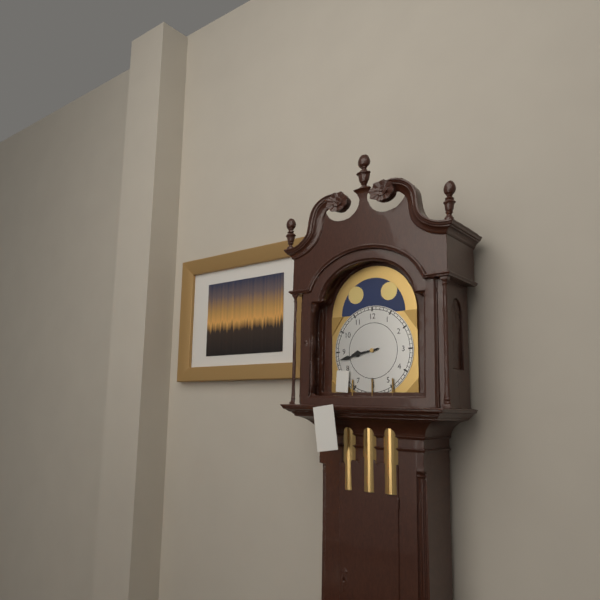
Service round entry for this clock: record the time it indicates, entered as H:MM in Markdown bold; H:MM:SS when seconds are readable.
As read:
**8:43**
